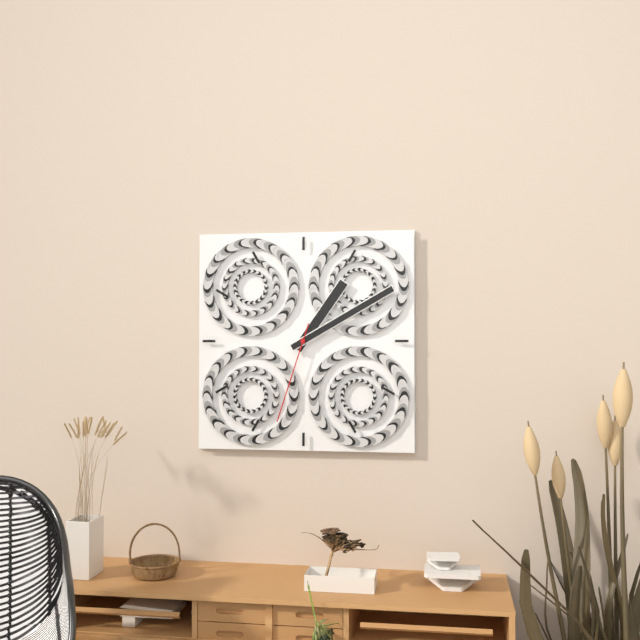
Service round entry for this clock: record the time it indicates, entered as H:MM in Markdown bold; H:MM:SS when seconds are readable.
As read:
**1:10:33**
